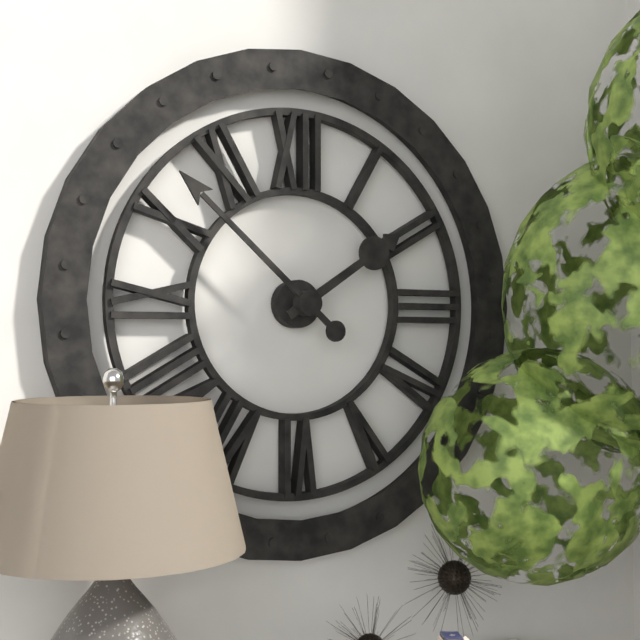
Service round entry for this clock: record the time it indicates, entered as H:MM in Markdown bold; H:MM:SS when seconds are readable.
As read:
**1:52**
